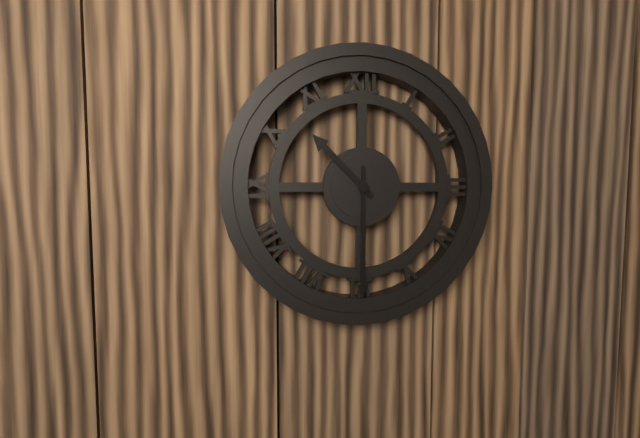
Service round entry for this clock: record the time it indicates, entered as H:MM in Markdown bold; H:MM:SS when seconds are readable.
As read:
**10:30**
